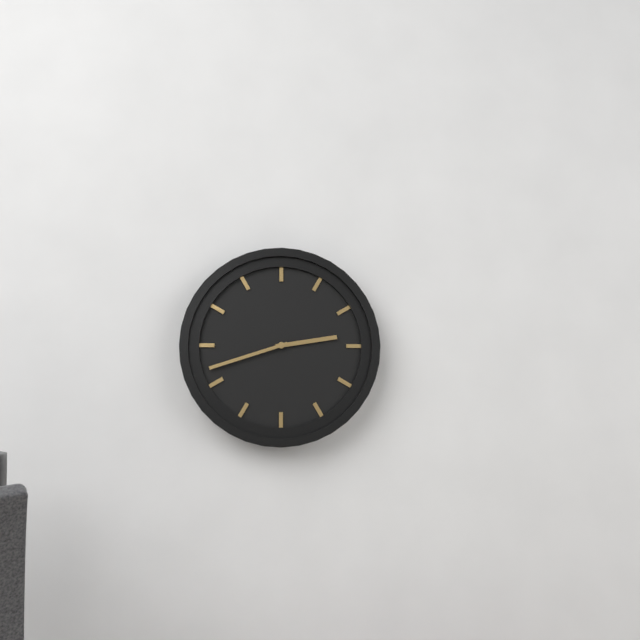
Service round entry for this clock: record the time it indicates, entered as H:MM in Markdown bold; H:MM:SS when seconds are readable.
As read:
**2:42**
